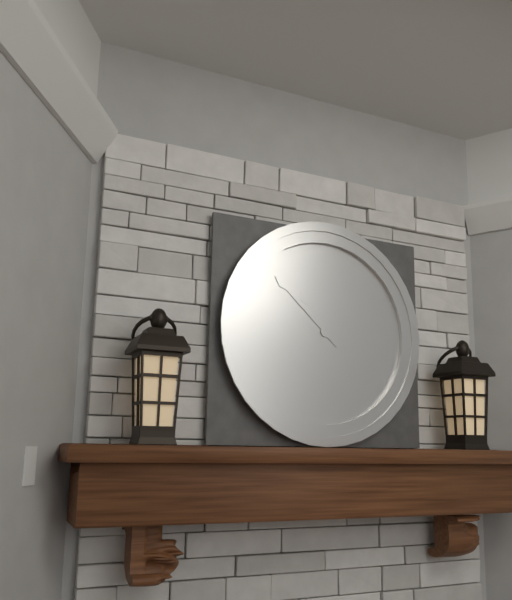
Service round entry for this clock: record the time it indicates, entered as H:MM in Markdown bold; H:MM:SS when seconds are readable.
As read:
**10:52**
